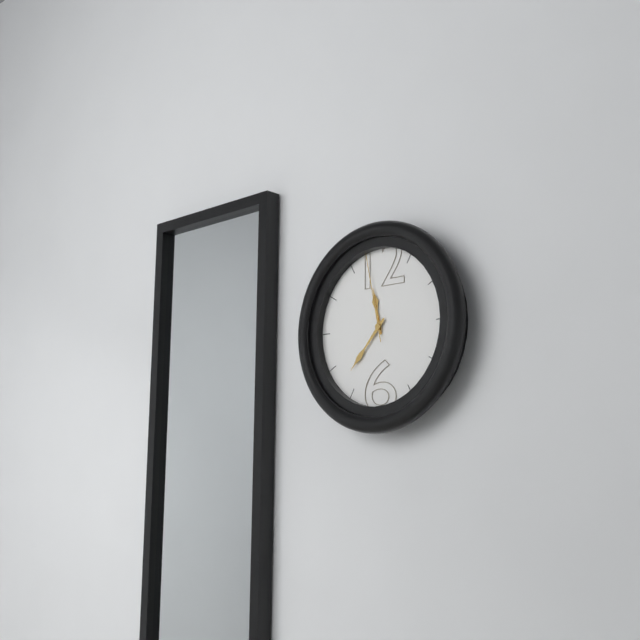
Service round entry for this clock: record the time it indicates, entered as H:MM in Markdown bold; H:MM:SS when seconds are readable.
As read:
**11:37:58**
